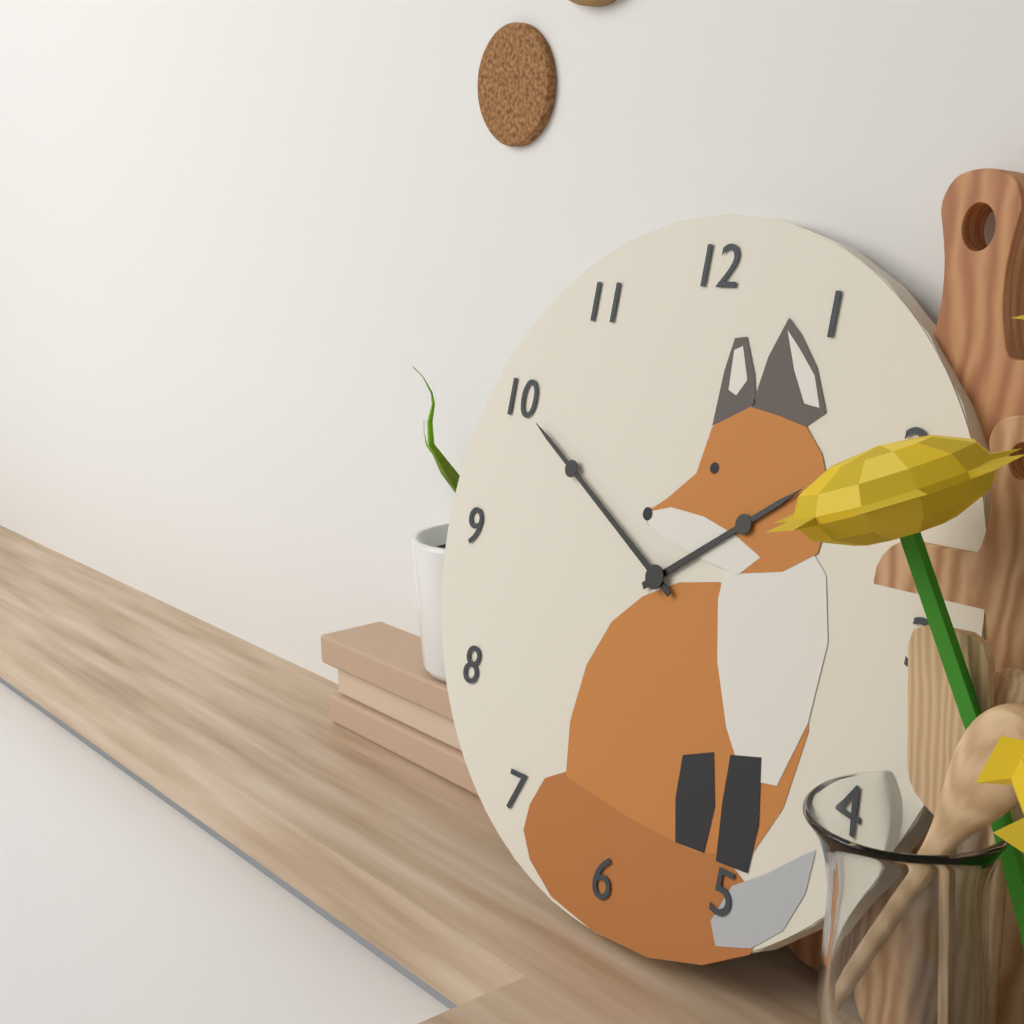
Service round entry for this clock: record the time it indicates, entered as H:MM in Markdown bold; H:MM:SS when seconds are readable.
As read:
**1:50**
